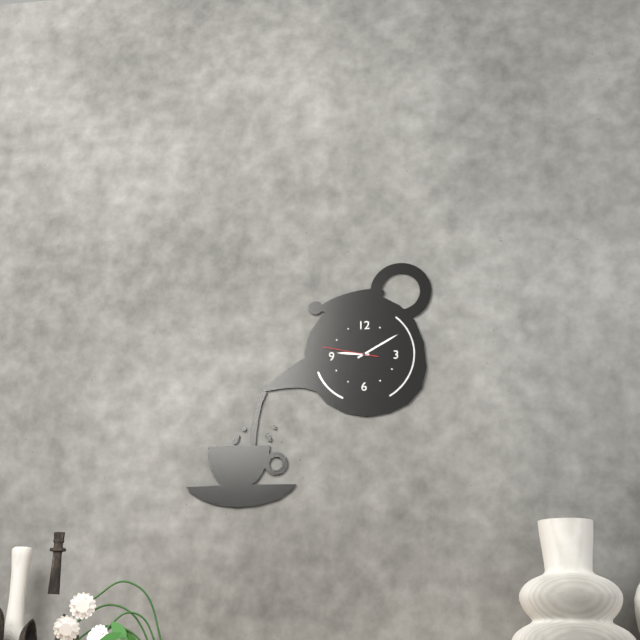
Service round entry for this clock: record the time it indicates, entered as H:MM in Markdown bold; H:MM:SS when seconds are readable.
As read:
**9:10:47**
